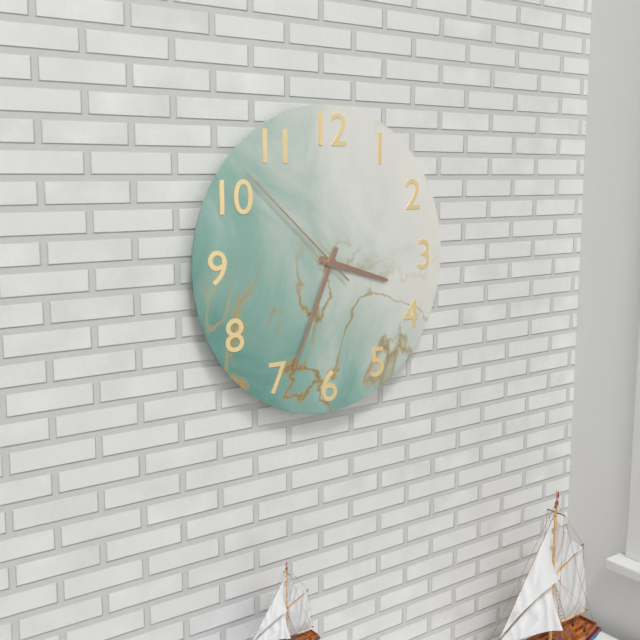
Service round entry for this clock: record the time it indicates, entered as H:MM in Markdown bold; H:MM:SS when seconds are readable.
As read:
**3:34:52**
